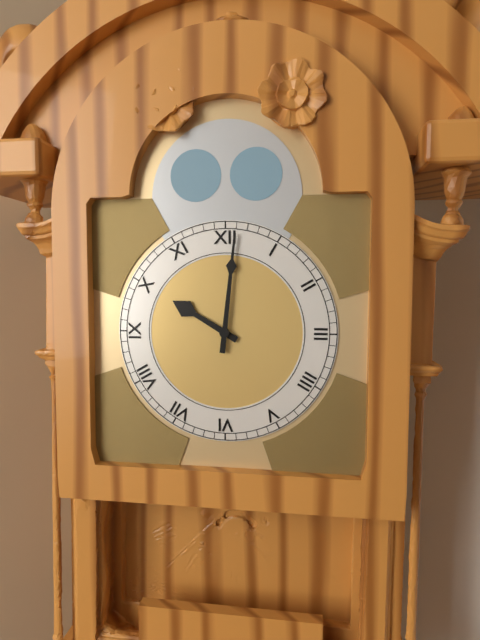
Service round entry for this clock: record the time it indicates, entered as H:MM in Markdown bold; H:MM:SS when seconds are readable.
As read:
**10:01**
